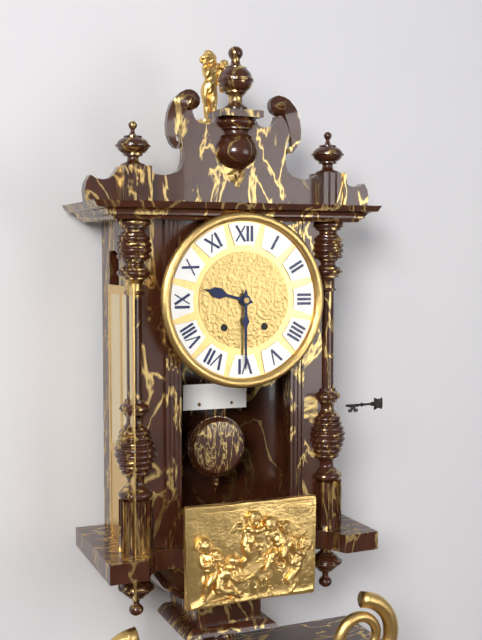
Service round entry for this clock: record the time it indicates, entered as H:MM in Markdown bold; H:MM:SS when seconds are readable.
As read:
**9:30**
